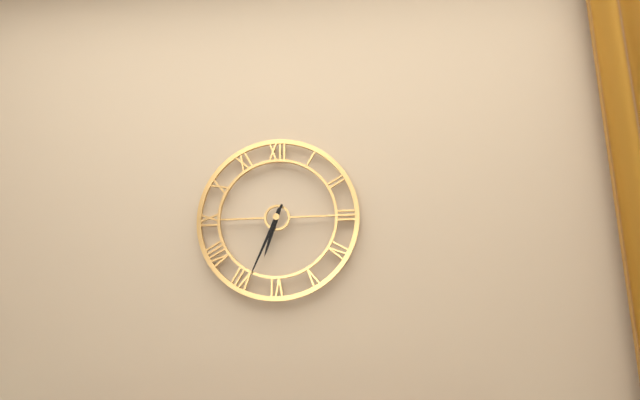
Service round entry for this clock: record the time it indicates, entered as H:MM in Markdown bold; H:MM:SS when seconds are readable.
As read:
**6:34**
